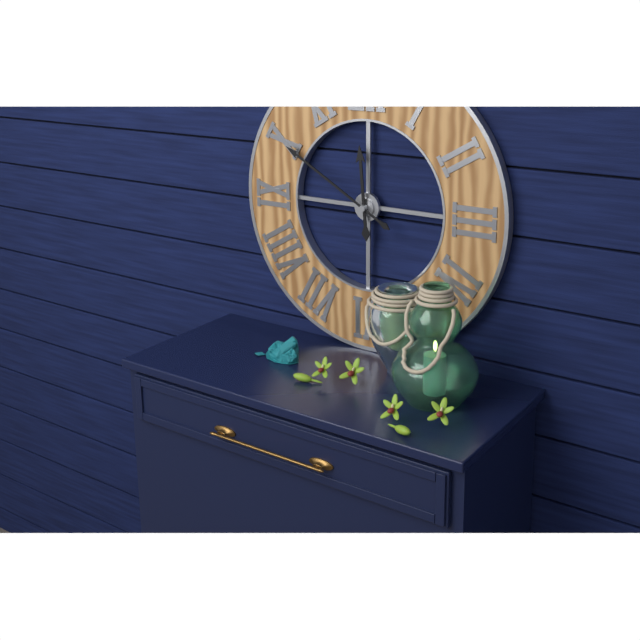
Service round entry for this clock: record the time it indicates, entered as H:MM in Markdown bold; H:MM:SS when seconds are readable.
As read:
**11:50**
